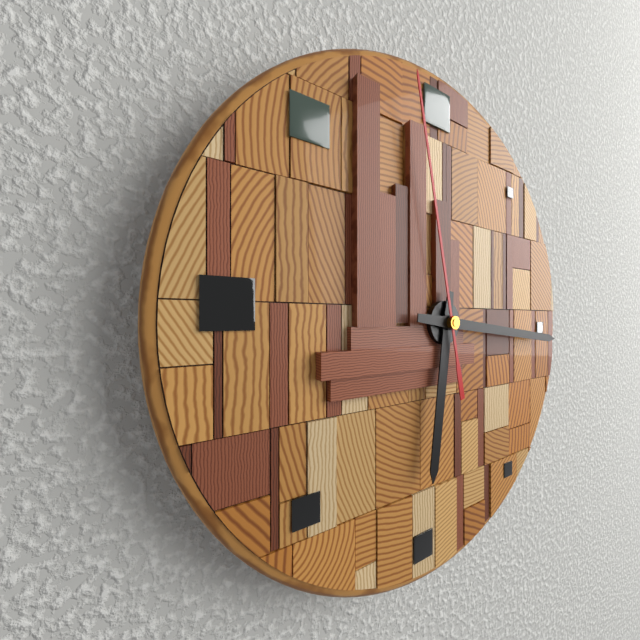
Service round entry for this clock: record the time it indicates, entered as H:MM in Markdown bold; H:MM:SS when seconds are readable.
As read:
**6:16:58**
